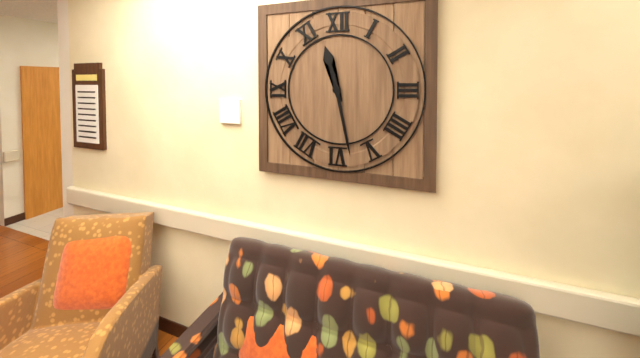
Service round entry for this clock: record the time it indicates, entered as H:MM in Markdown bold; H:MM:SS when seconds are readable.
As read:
**11:28**
